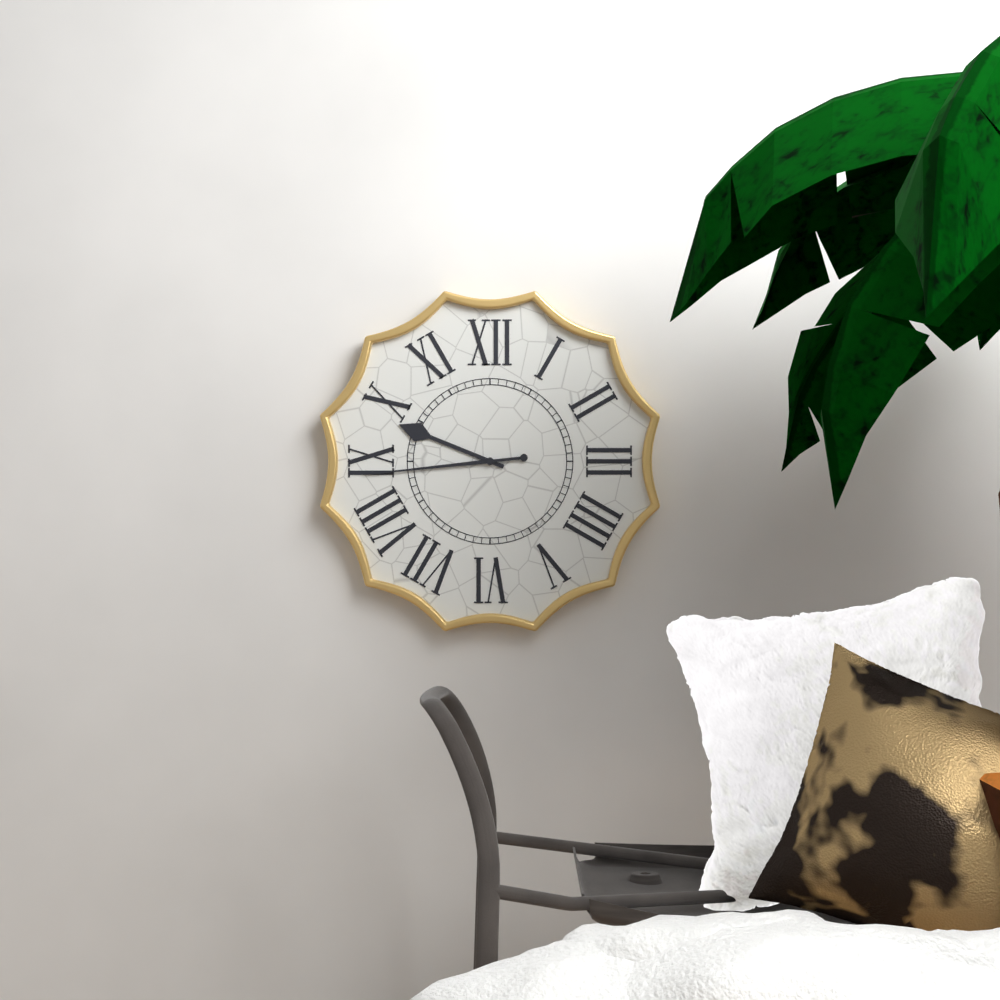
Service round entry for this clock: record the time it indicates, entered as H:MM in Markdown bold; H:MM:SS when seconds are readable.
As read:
**9:44**
